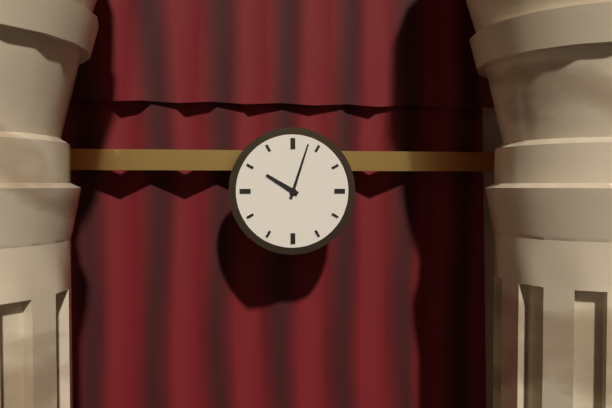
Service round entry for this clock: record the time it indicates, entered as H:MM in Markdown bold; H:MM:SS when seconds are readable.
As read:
**10:03**
